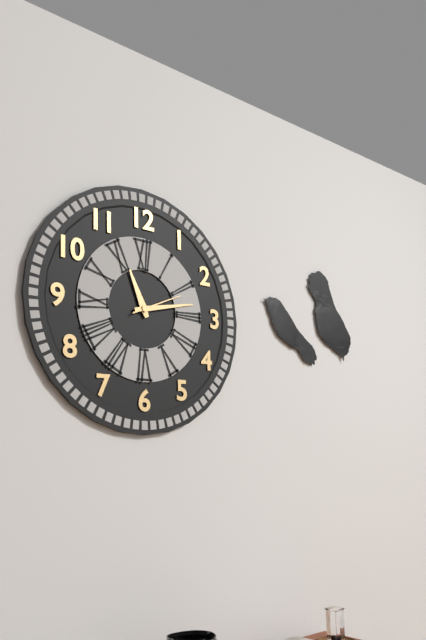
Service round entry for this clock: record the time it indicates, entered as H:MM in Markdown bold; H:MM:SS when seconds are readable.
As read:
**11:13**
